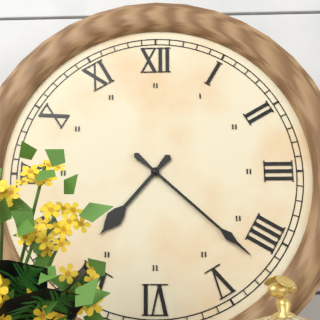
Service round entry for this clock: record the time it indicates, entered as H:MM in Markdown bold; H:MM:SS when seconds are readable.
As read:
**7:22**
